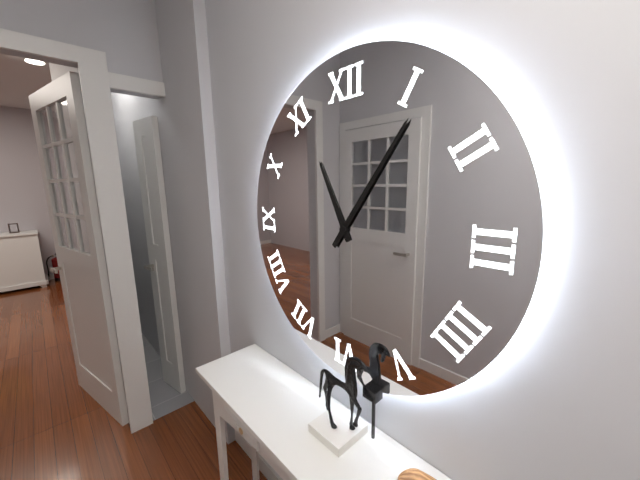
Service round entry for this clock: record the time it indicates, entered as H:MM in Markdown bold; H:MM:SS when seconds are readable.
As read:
**11:06**
